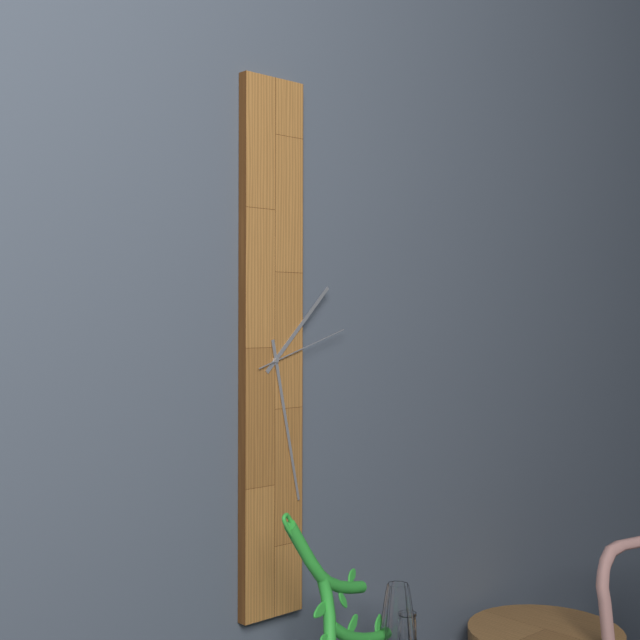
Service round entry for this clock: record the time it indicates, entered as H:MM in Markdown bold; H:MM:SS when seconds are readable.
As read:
**1:28:12**
